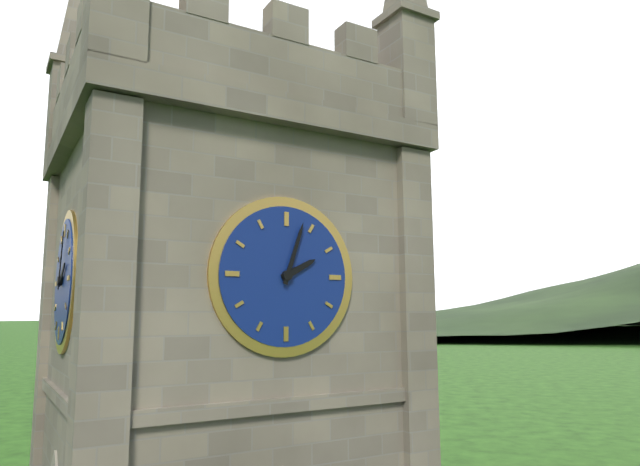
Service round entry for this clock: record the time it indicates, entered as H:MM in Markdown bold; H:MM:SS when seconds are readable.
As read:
**2:03**
